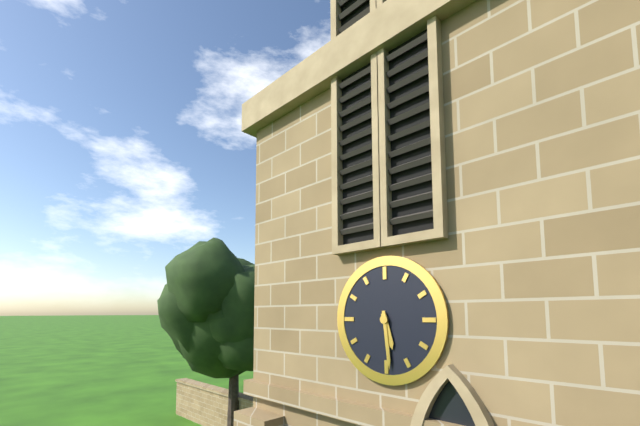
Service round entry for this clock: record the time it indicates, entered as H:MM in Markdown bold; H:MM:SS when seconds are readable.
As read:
**5:29**
